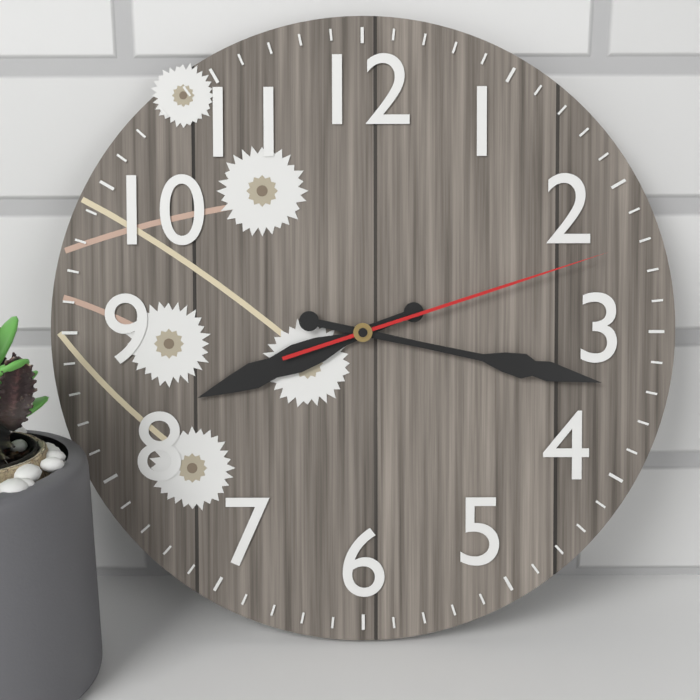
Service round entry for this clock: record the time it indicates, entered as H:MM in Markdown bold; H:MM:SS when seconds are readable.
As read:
**8:17:12**
